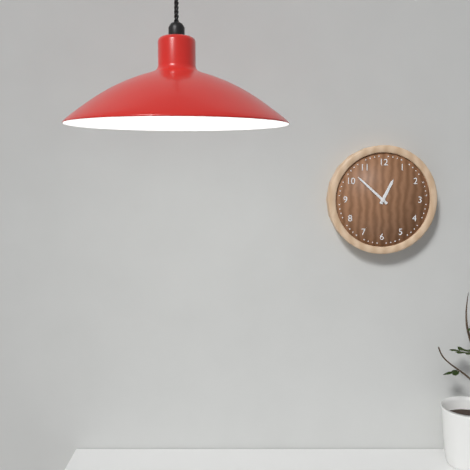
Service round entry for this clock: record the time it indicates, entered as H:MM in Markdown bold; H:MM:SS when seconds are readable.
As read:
**12:52**
